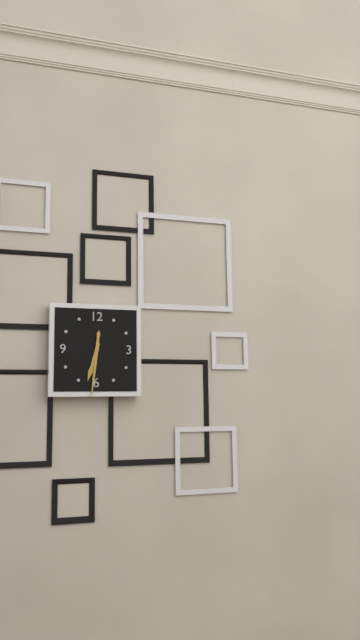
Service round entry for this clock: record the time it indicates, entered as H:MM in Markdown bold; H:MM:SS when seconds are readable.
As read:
**6:31**
